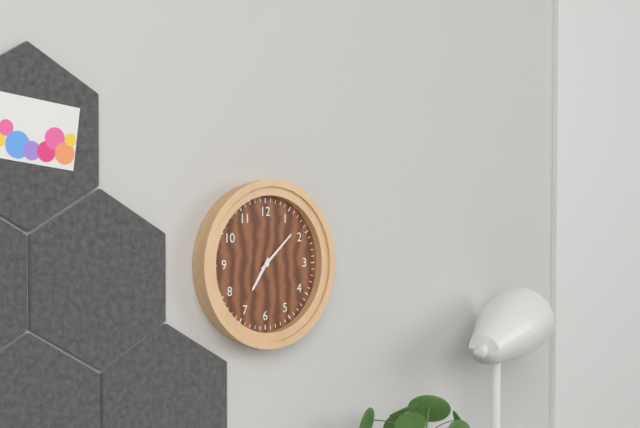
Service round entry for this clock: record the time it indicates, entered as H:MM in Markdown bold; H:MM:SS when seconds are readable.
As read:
**7:08**
